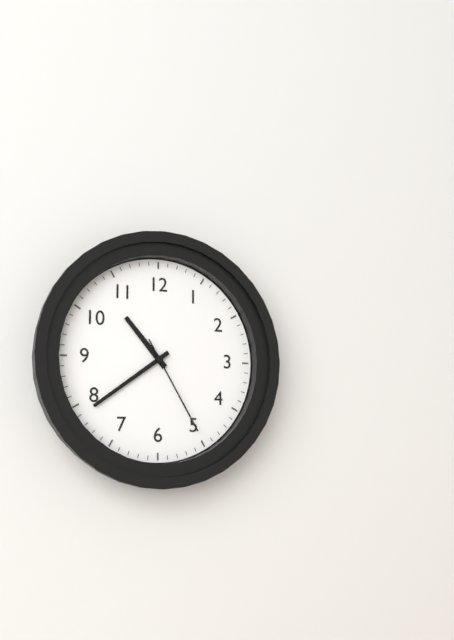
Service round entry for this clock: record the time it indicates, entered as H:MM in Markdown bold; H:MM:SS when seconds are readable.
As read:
**10:39:25**
